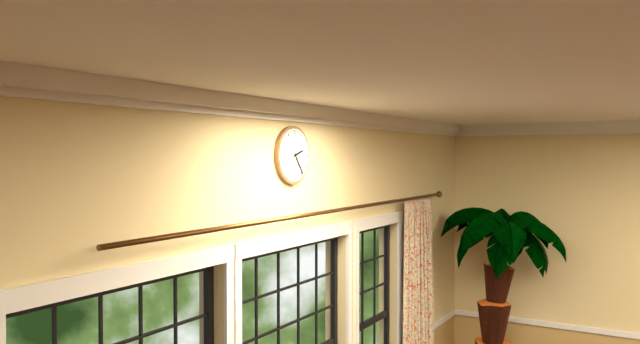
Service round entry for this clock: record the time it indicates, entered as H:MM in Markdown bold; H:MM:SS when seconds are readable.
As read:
**2:24**
